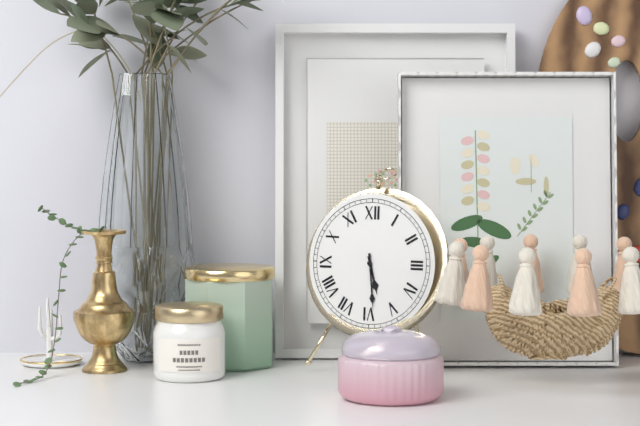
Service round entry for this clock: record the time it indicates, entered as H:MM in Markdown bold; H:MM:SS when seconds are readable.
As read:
**5:29**
